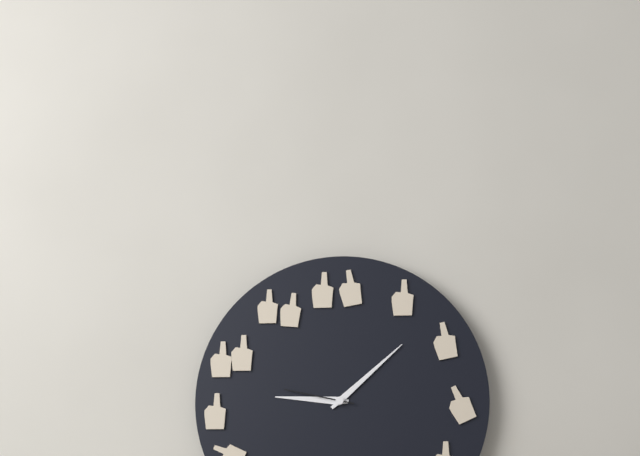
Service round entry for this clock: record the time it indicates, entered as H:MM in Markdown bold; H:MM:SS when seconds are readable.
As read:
**9:08:47**
